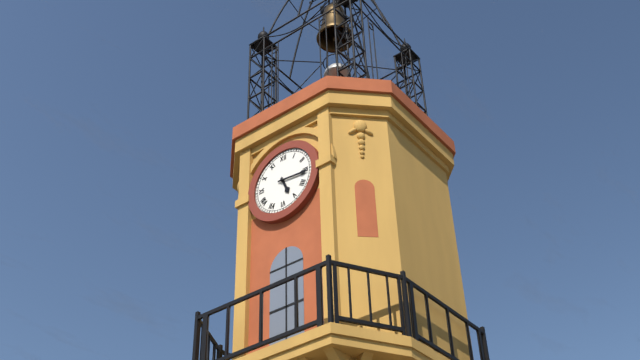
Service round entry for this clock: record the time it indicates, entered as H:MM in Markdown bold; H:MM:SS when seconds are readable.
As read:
**5:16**
